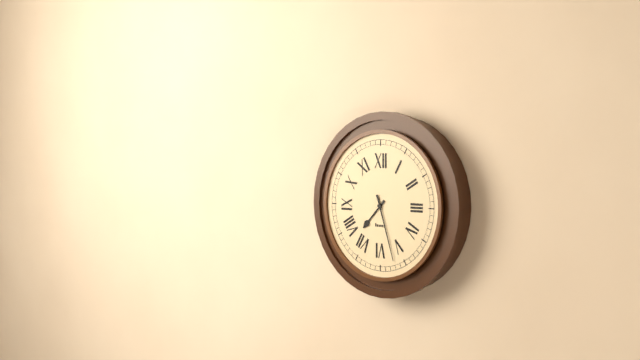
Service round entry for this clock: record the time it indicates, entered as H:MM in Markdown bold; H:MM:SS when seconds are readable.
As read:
**7:27**
